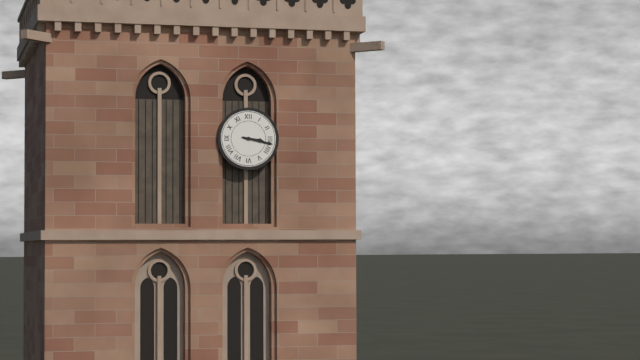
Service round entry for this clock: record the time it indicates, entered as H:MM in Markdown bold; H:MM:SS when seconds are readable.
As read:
**3:17**
